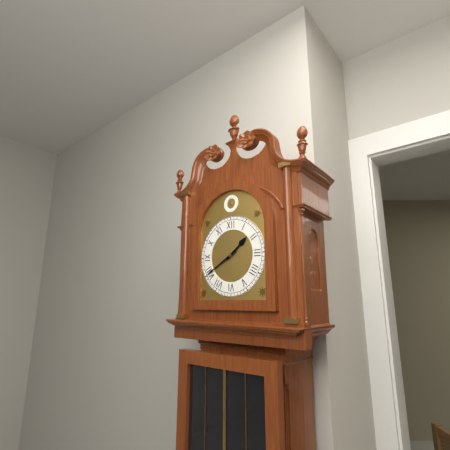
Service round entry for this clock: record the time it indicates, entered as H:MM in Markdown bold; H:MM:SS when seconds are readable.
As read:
**1:40**
